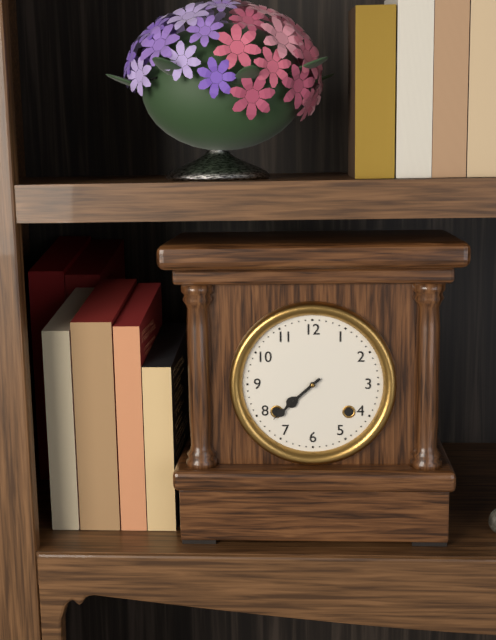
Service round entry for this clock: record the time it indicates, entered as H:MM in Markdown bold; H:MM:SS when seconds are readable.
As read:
**7:38**
